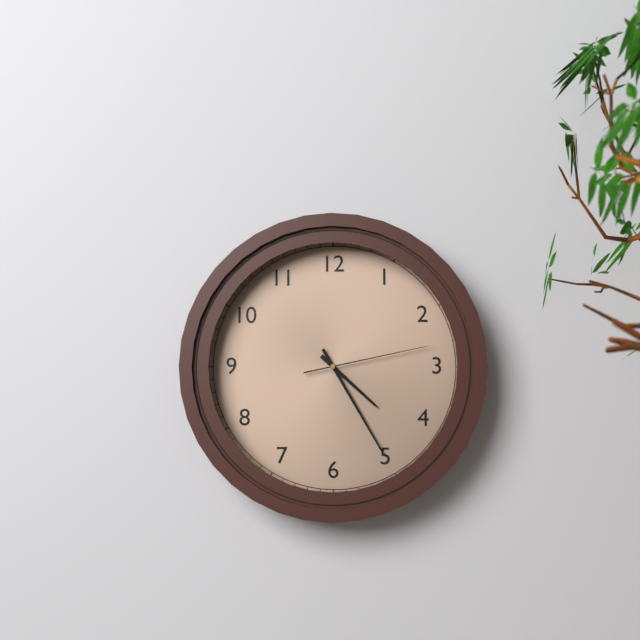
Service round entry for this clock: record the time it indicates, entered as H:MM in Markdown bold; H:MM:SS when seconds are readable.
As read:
**4:25:13**
